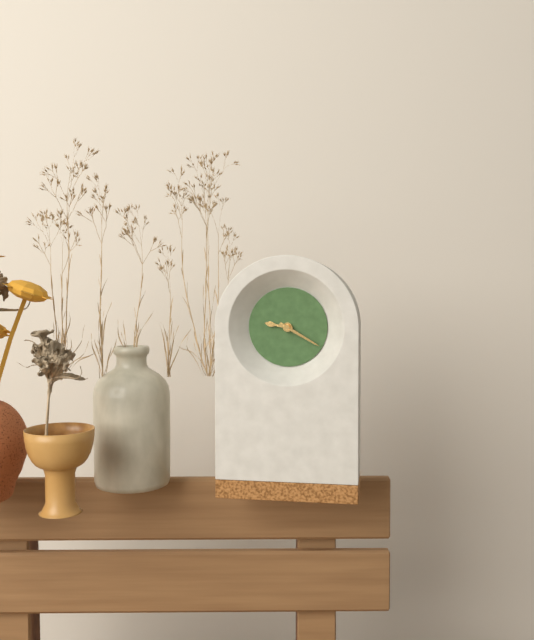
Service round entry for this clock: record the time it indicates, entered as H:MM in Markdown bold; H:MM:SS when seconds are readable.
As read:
**9:20**
